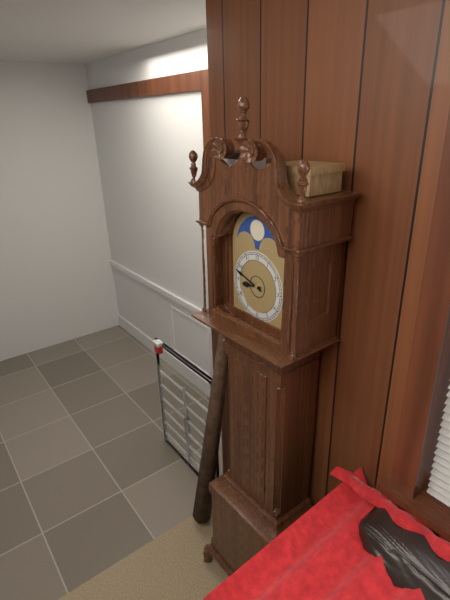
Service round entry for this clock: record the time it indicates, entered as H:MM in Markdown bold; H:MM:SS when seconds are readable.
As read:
**8:48**
